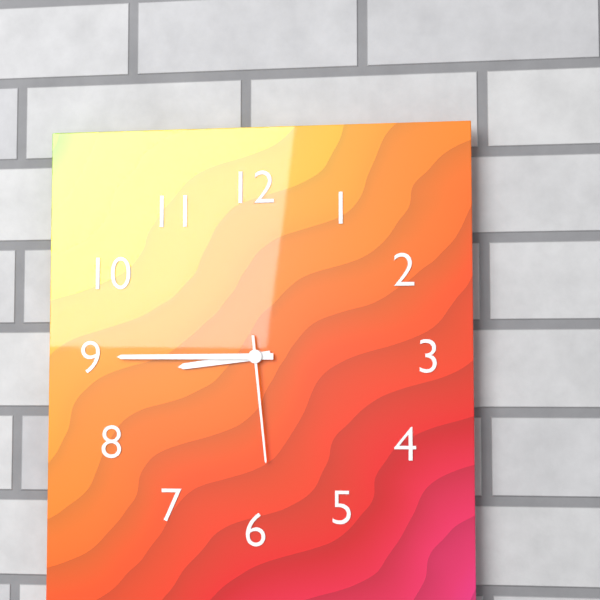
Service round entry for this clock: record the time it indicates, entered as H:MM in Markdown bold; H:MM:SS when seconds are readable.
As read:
**8:45:29**
